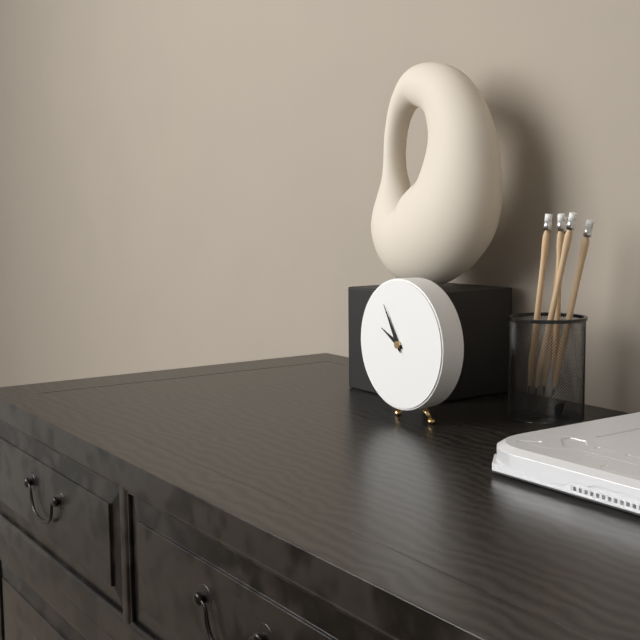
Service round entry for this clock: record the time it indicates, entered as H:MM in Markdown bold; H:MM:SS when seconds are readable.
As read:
**9:55**
